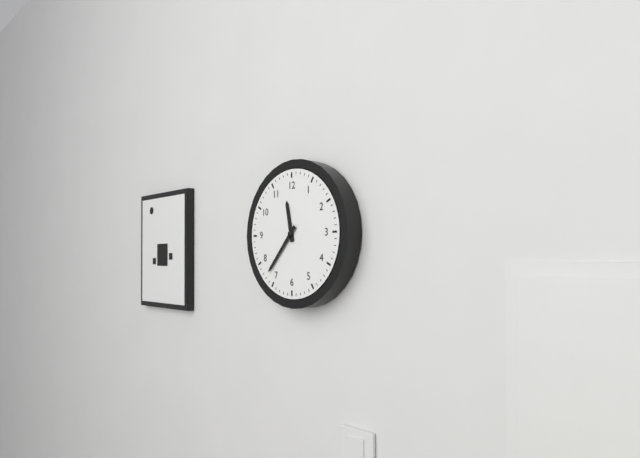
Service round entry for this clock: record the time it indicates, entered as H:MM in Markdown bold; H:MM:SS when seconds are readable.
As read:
**11:37**
